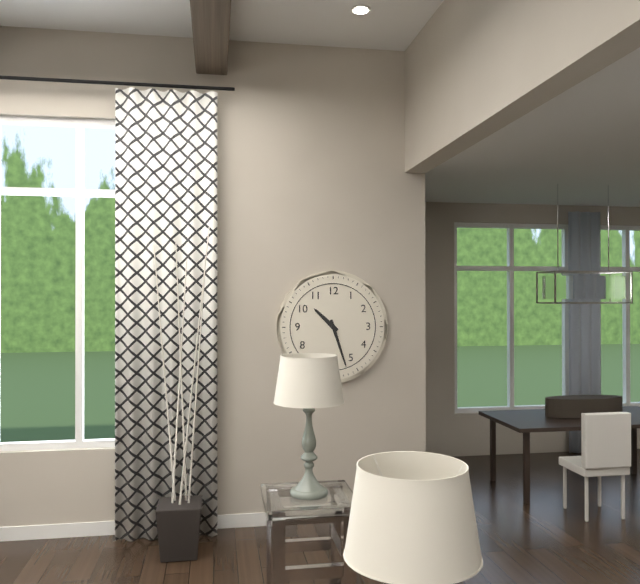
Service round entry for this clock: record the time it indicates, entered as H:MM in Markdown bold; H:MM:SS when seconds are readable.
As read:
**10:27**
